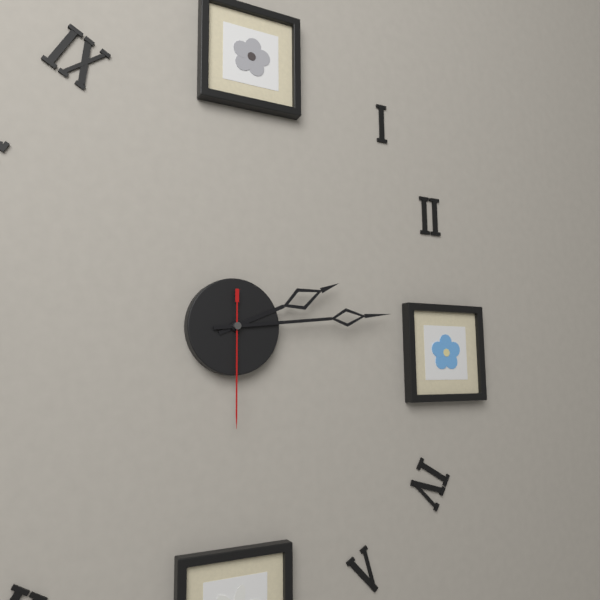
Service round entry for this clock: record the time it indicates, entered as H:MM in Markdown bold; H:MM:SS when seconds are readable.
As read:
**2:14:30**
